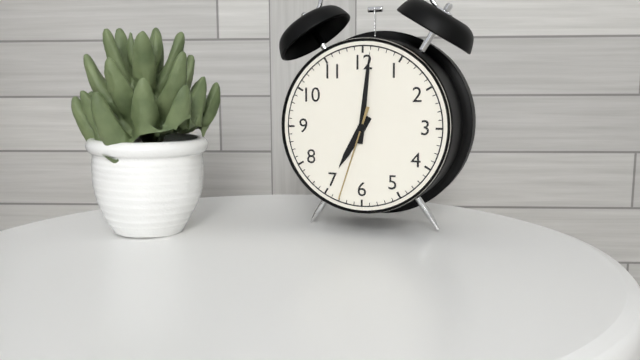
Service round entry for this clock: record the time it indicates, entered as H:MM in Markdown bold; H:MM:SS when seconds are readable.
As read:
**7:01:33**
